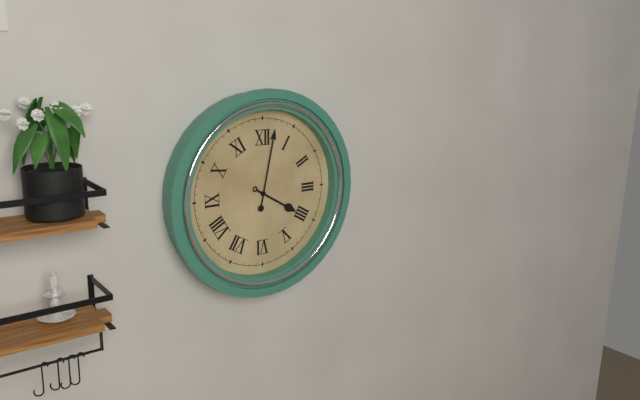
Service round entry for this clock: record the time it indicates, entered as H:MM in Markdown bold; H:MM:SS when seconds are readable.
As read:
**4:02**
